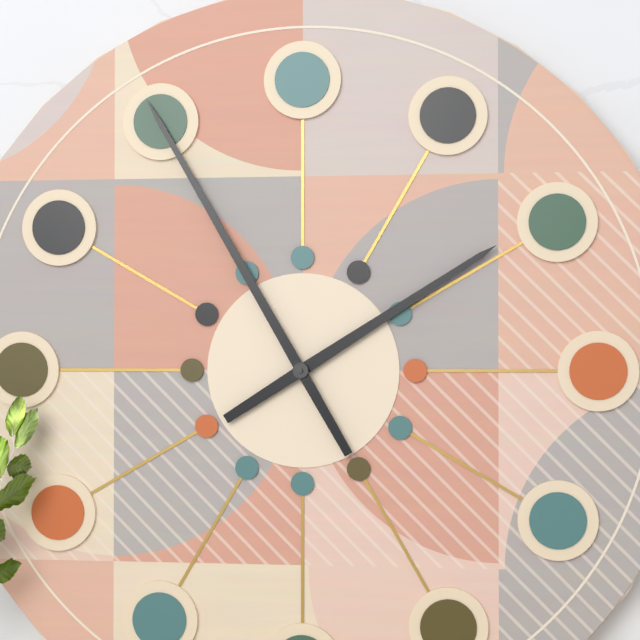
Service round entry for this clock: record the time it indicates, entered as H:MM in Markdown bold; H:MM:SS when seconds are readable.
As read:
**1:55**
